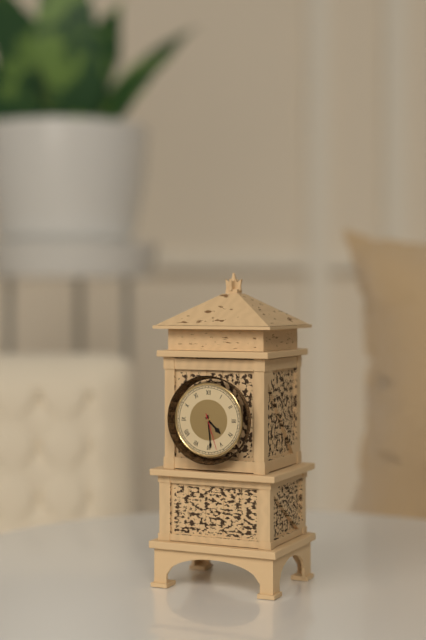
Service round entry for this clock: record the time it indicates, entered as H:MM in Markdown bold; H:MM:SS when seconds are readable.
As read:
**4:29**
